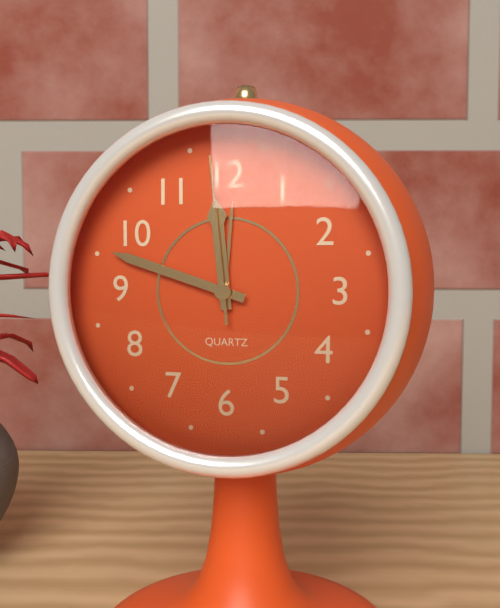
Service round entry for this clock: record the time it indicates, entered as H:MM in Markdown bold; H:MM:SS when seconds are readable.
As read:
**11:48:59**
